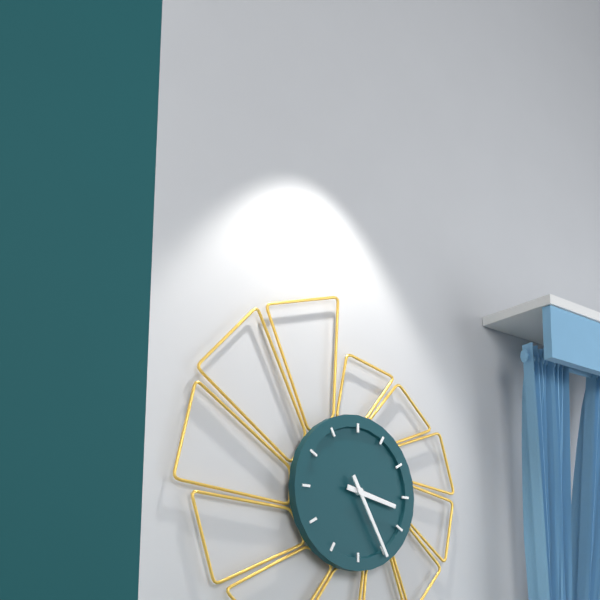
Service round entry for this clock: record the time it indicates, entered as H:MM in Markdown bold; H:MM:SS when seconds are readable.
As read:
**3:25**
